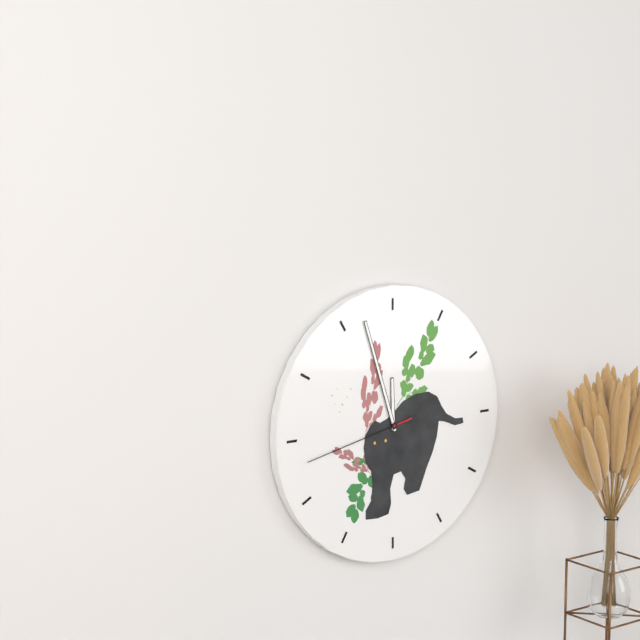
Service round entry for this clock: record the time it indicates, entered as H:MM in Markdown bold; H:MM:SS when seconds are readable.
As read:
**11:57:43**
